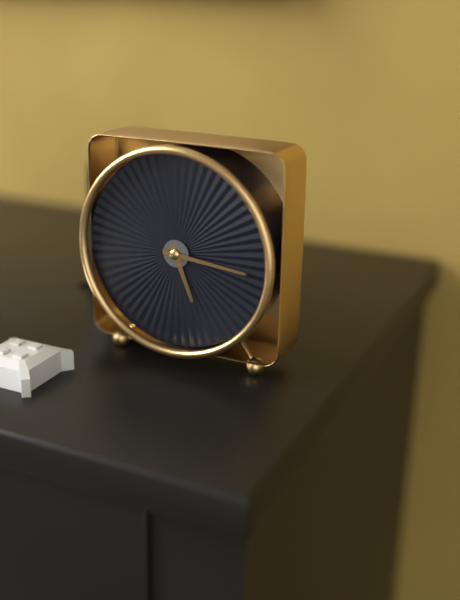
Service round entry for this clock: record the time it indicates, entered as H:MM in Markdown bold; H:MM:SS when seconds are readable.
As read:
**5:16**
